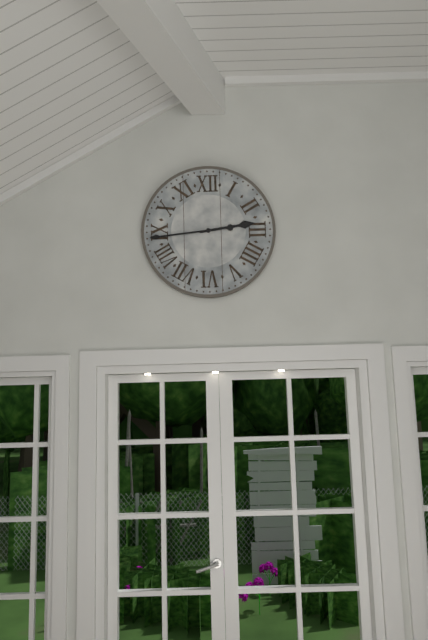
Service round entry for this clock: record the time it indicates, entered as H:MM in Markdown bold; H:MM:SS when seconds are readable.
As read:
**2:44**
